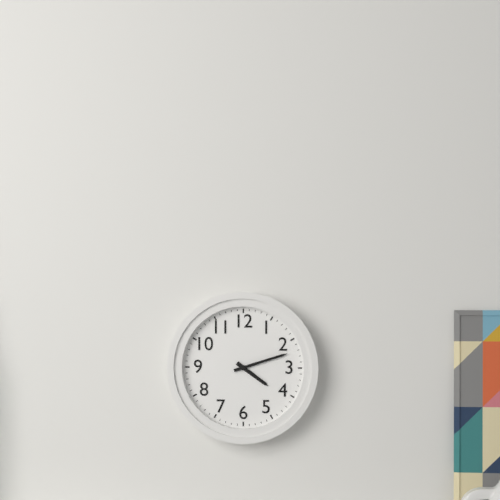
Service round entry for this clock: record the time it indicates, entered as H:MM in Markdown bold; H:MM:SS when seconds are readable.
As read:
**4:12**
